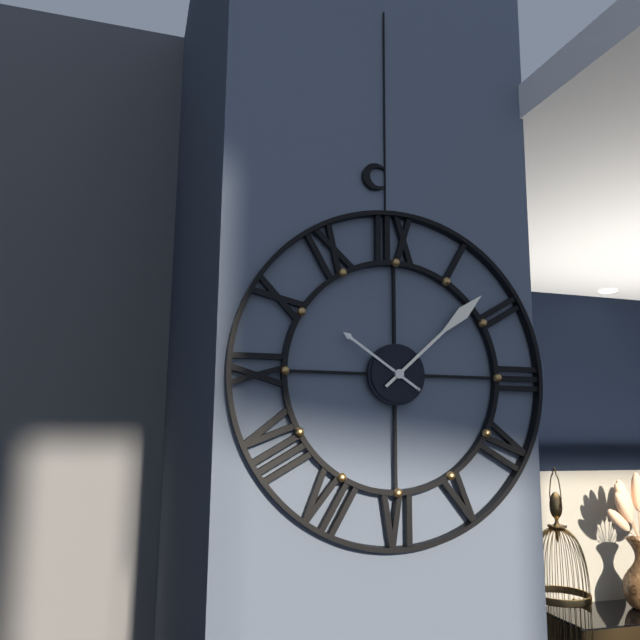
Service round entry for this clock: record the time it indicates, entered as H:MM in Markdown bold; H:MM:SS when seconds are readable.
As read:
**10:08**
